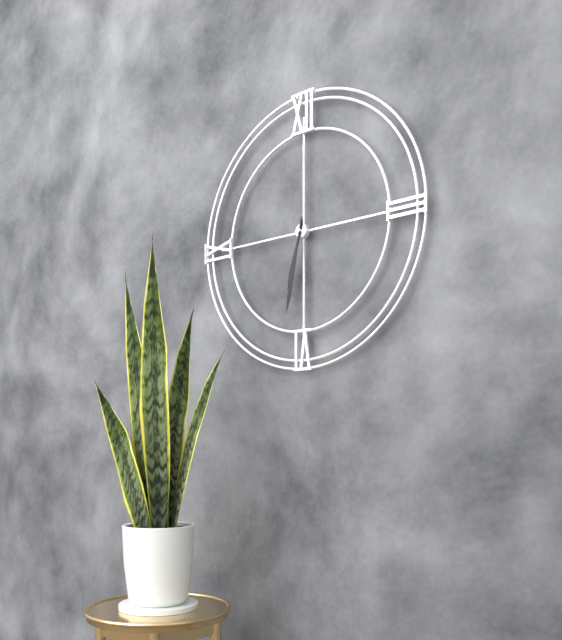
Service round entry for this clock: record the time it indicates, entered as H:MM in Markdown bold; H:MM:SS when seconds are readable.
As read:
**6:32**
